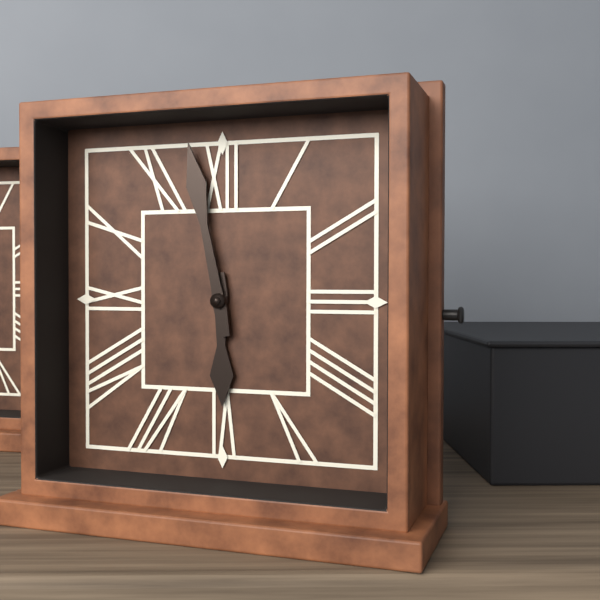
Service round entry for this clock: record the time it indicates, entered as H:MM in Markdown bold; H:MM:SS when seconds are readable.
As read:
**5:58**
